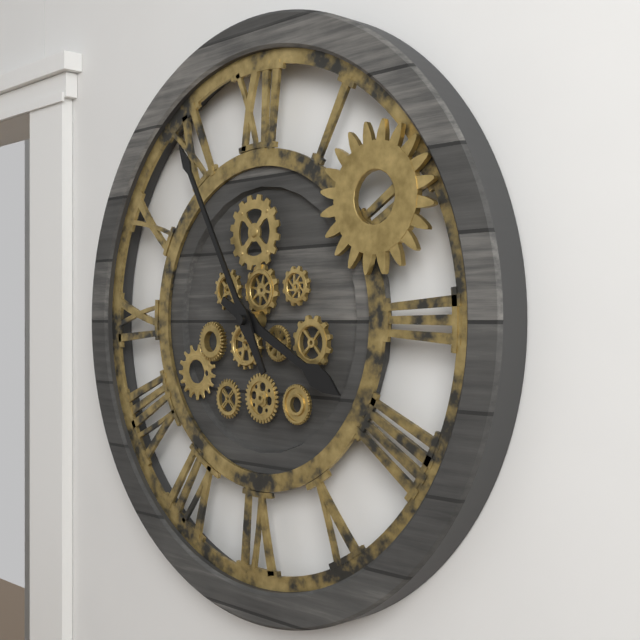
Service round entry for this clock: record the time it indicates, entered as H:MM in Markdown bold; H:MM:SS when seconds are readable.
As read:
**3:55**
